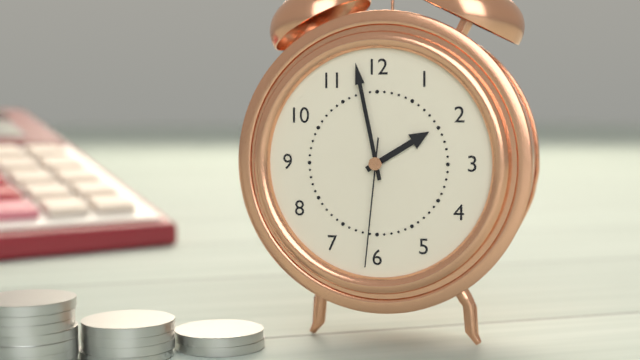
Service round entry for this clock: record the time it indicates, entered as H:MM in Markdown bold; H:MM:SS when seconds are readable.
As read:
**1:58:31**
